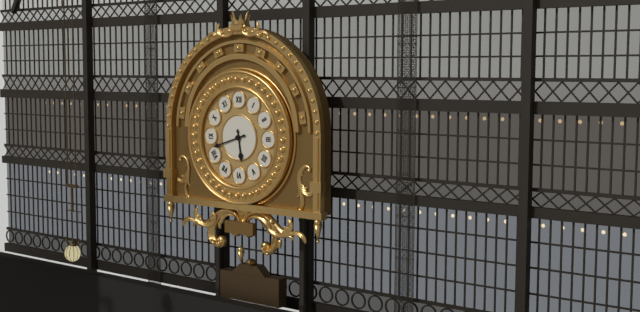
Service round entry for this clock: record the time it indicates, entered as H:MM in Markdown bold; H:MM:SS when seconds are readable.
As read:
**5:42**
